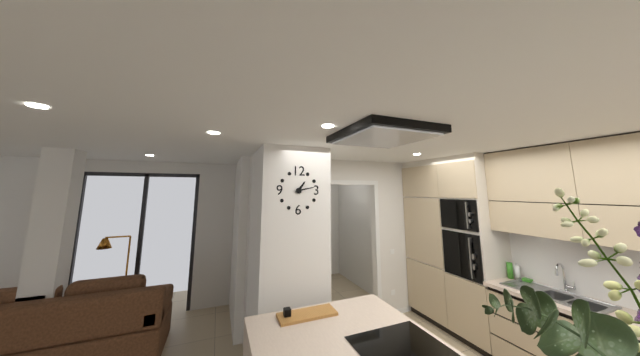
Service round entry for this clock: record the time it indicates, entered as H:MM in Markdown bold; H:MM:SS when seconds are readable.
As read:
**1:13**
